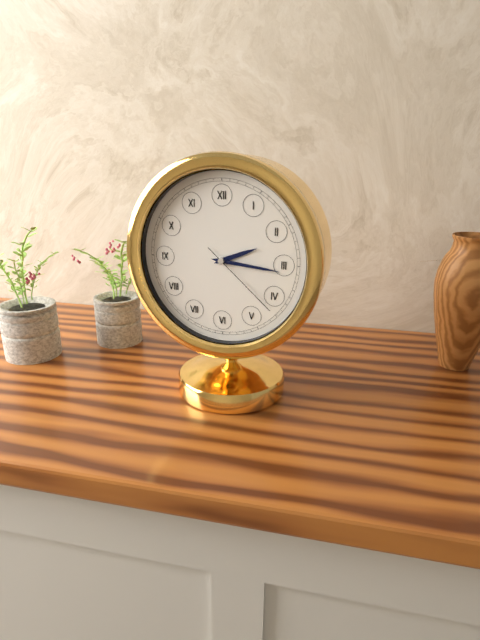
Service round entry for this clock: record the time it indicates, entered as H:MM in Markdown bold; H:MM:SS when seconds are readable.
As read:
**2:16:22**
